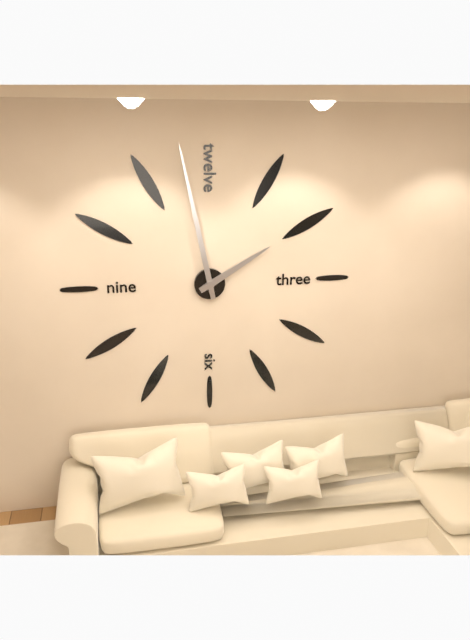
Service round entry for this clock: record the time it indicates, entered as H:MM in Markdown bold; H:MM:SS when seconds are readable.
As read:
**1:58**
